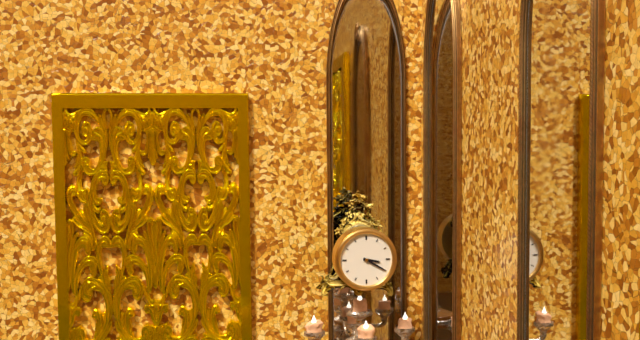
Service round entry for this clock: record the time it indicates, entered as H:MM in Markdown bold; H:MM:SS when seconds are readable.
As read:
**3:20**
